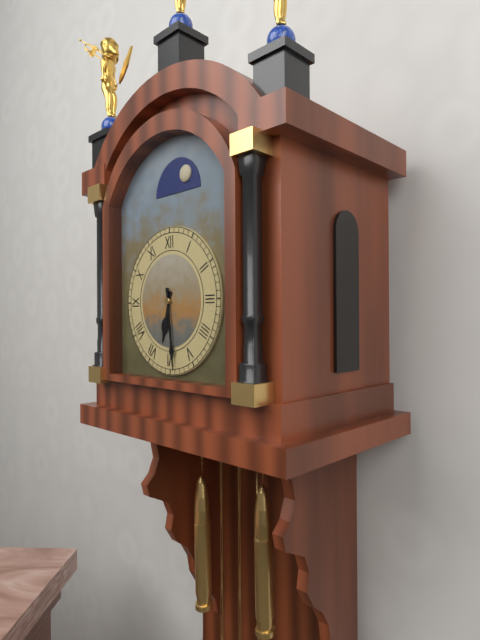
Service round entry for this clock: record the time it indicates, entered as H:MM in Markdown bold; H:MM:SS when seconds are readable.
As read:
**6:29**
